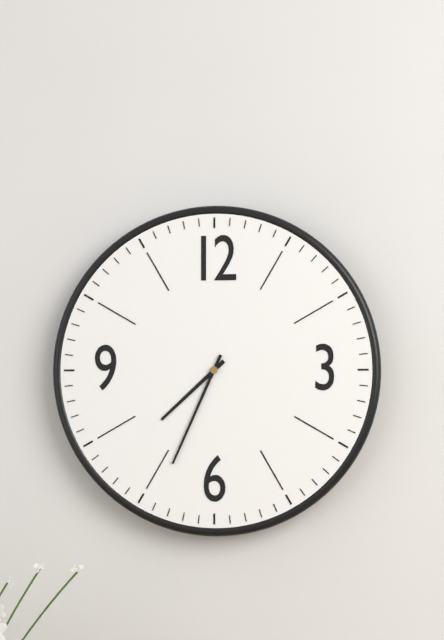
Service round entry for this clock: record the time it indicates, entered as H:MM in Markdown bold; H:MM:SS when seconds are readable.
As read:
**7:34**
